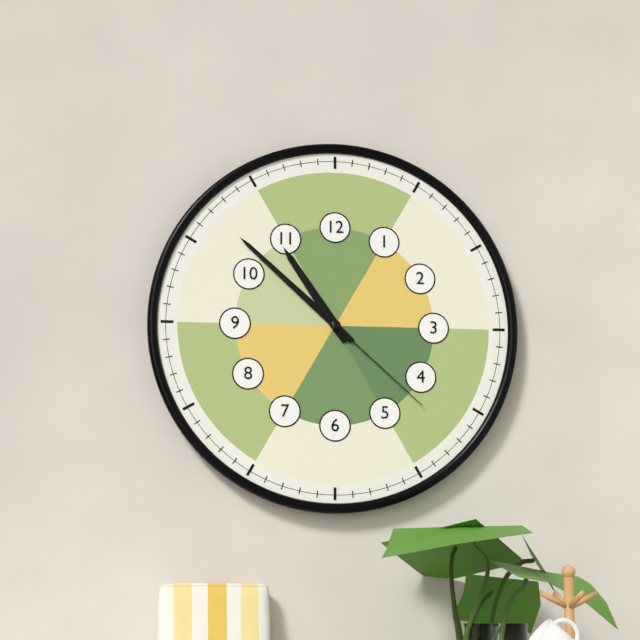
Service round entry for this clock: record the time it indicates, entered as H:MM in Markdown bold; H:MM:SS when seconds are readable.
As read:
**10:52:22**
